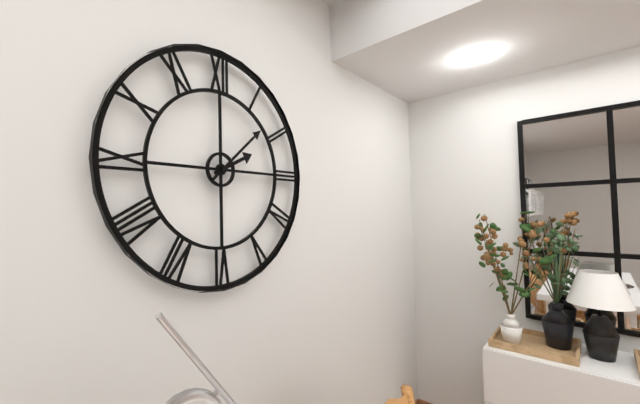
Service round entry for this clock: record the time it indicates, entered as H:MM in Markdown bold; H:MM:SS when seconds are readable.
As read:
**2:08**
